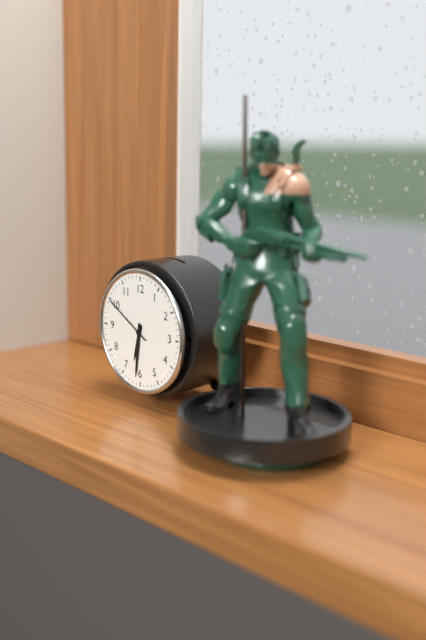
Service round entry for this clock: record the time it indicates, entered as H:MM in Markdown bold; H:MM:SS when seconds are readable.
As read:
**6:31:50**
